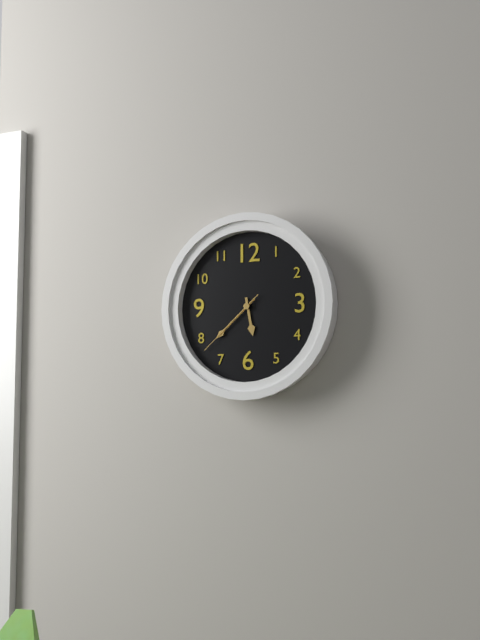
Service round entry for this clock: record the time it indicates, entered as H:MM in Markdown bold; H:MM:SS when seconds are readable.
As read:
**5:38:38**
